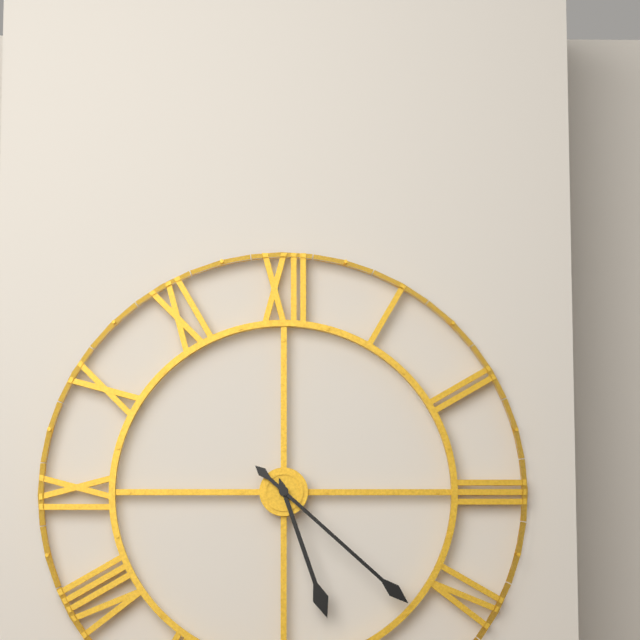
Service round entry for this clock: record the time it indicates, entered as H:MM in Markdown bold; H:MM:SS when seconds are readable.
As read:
**5:22**
